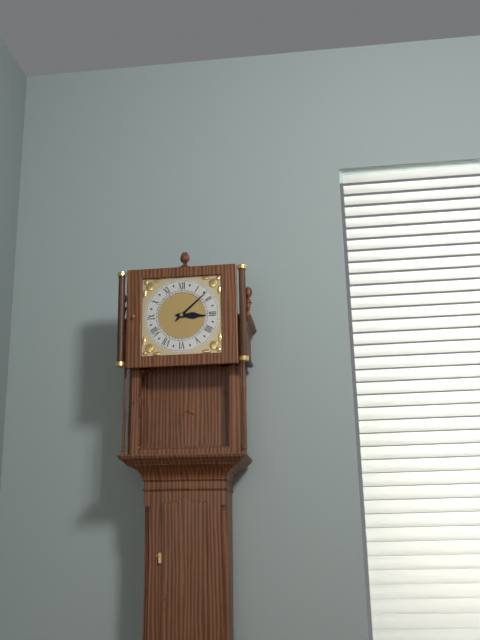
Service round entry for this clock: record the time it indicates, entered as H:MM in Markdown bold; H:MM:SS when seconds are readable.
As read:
**3:08**
